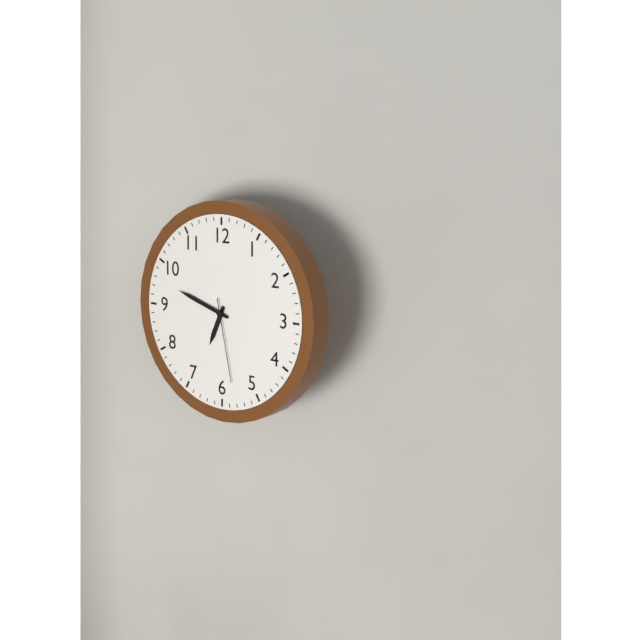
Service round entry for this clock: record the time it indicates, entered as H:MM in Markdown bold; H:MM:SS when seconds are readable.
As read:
**6:48:28**
